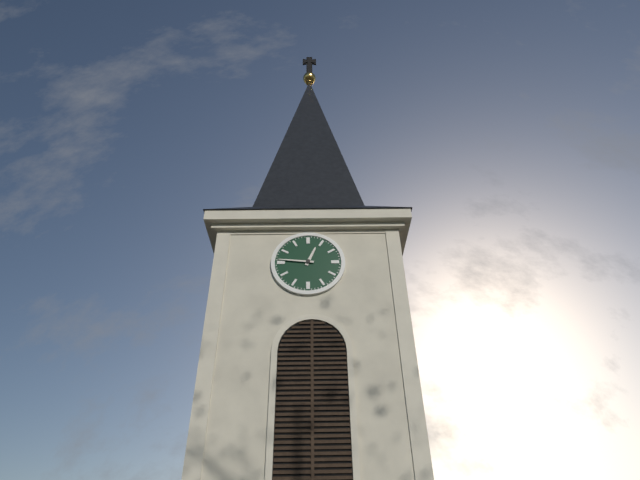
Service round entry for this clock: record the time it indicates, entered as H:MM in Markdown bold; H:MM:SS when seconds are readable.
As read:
**12:46**
